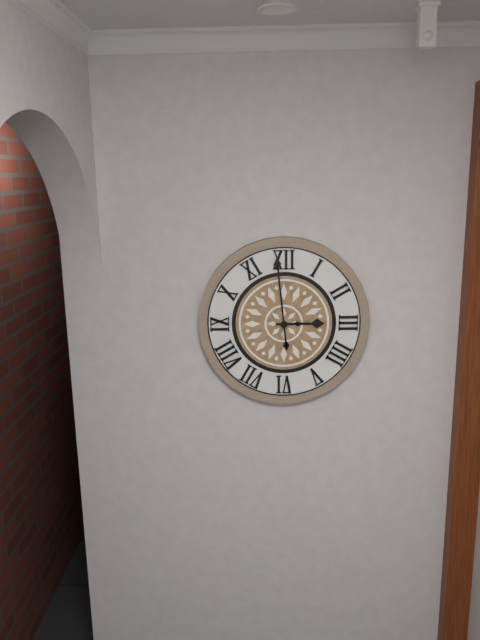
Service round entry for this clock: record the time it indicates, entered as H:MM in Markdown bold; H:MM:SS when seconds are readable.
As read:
**2:59**
